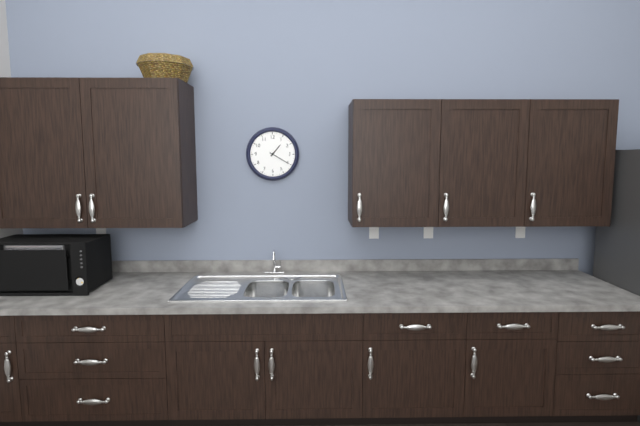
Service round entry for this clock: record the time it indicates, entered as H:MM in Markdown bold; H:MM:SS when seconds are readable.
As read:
**1:20**
